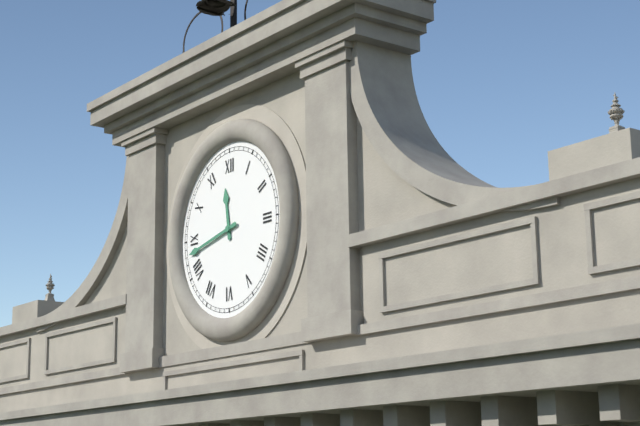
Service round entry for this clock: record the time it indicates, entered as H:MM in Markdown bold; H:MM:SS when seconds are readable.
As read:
**11:43**
